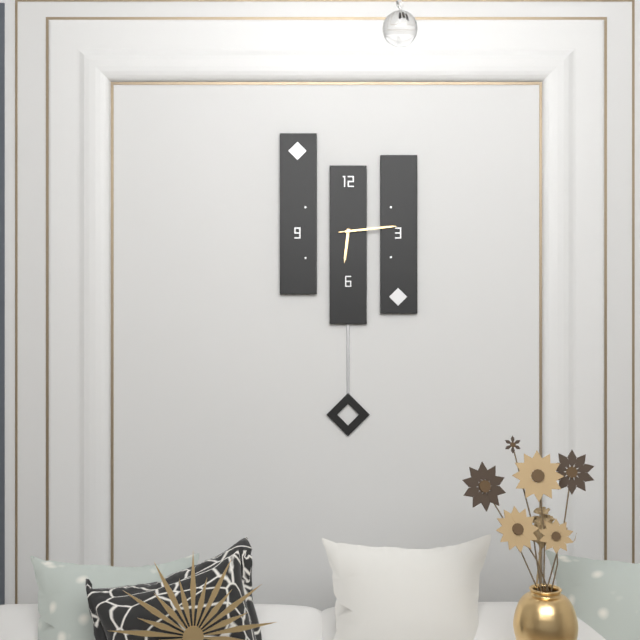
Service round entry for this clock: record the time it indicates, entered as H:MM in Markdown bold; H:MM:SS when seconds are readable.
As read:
**6:14:14**
